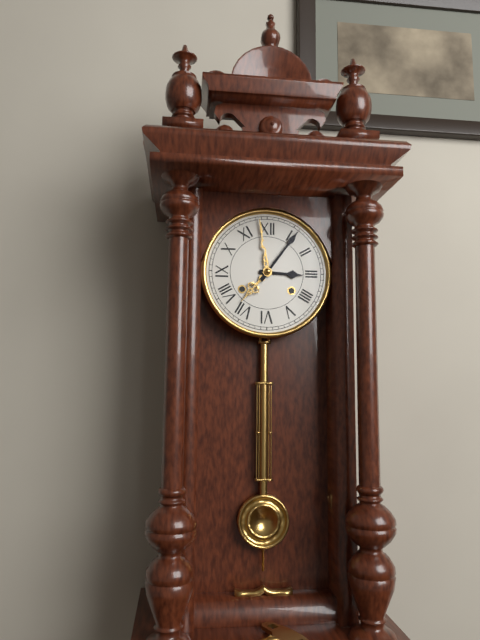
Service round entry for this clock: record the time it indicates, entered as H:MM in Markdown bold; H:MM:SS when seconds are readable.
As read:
**3:06**
